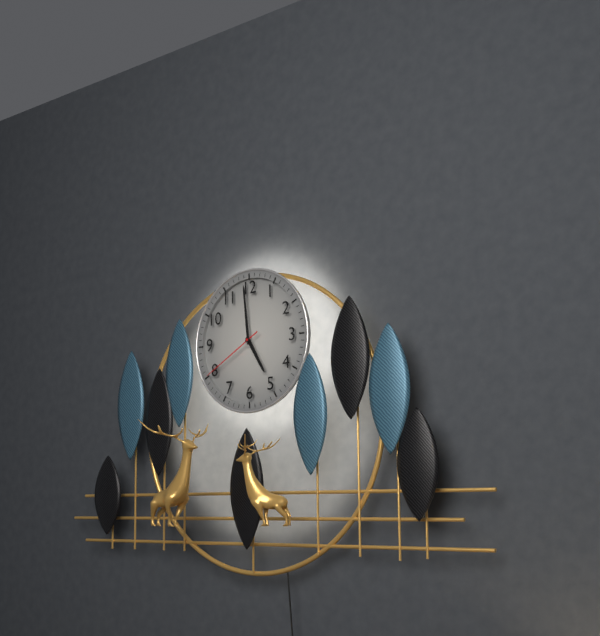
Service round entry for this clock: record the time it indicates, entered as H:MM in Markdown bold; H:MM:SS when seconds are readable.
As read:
**4:59:40**
